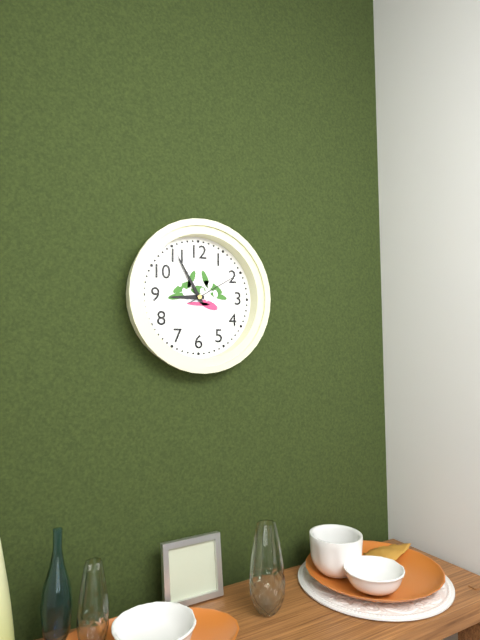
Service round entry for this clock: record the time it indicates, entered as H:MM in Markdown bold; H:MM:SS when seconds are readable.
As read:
**8:55:10**
